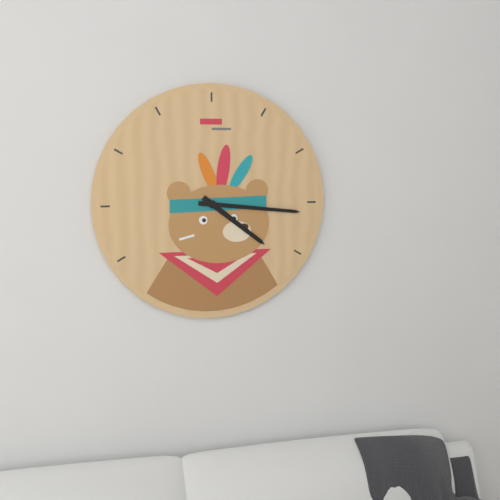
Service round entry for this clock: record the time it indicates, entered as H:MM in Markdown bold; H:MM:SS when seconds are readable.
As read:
**4:16**
